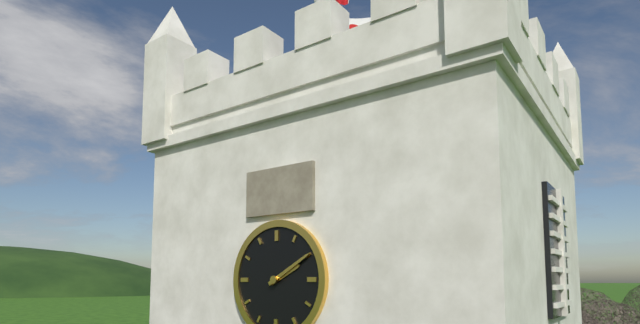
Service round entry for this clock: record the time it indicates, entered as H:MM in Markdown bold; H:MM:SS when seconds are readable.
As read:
**2:10**
